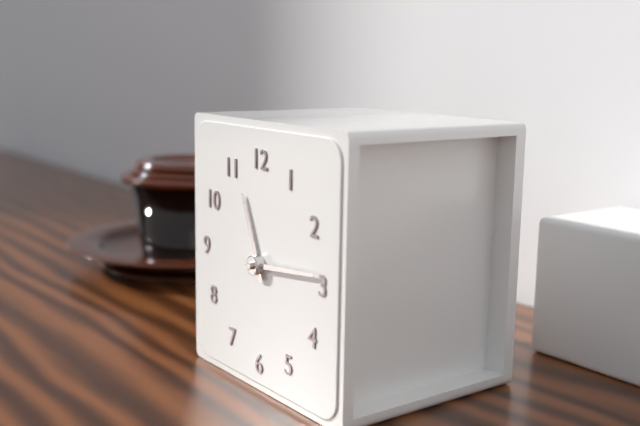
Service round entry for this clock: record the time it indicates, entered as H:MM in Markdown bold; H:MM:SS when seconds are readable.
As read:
**11:14**
